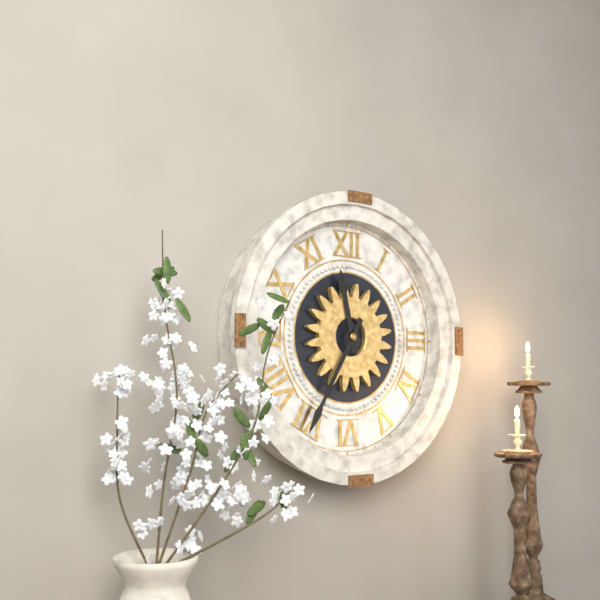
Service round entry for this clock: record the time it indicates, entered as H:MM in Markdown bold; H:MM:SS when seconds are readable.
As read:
**11:35**
